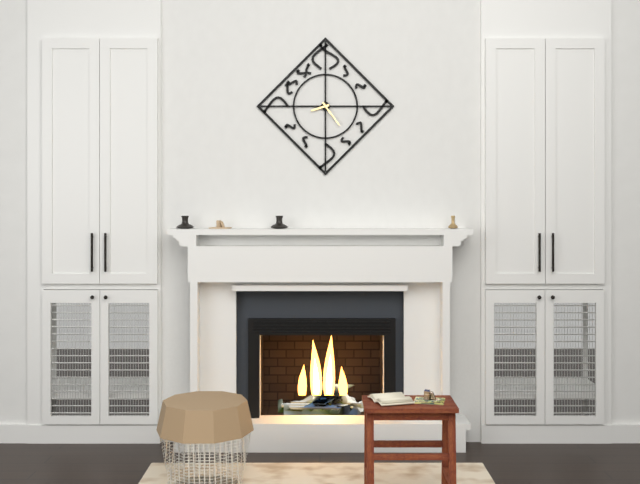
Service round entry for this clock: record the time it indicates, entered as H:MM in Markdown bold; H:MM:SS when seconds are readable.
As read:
**8:24**
